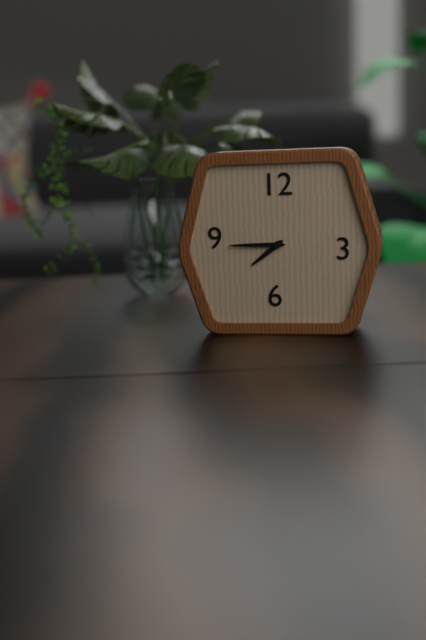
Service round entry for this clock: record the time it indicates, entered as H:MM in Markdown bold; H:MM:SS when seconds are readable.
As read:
**7:45**
